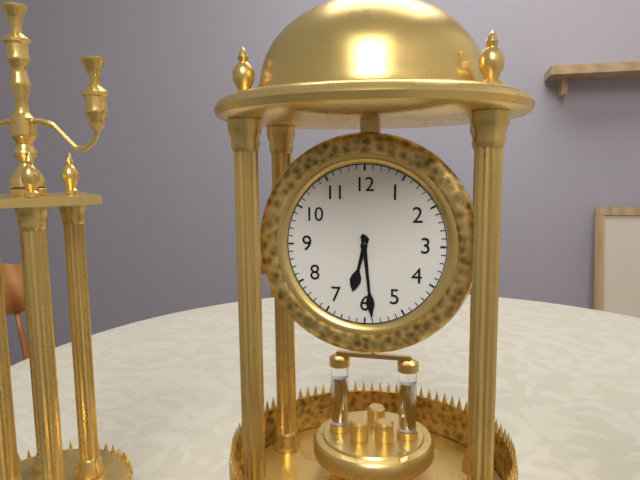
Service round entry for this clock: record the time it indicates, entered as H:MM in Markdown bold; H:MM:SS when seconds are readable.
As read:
**6:29**
